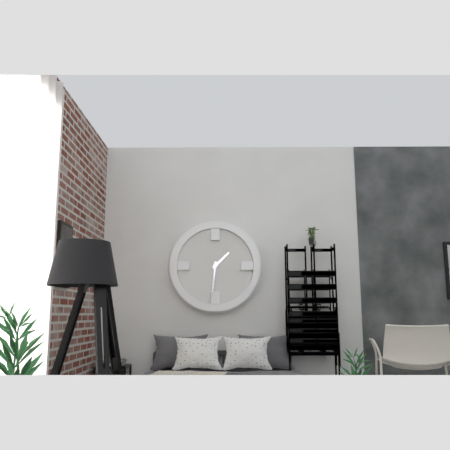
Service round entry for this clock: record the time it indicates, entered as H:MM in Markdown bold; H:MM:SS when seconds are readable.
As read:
**1:31**
